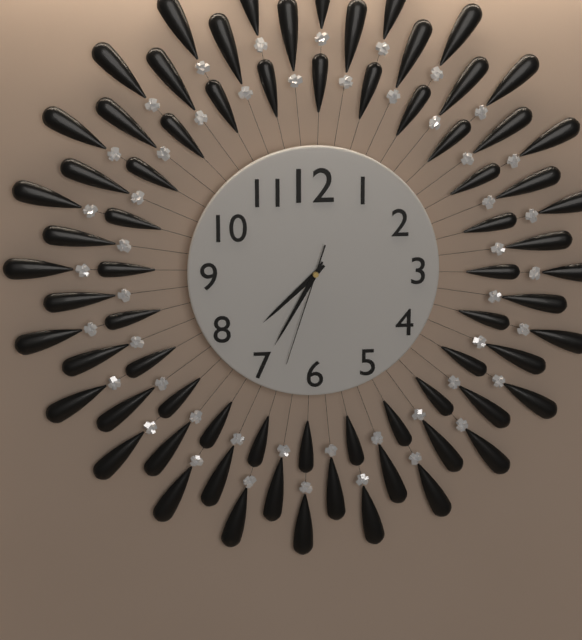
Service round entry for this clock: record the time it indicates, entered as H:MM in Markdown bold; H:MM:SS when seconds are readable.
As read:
**7:35:33**
